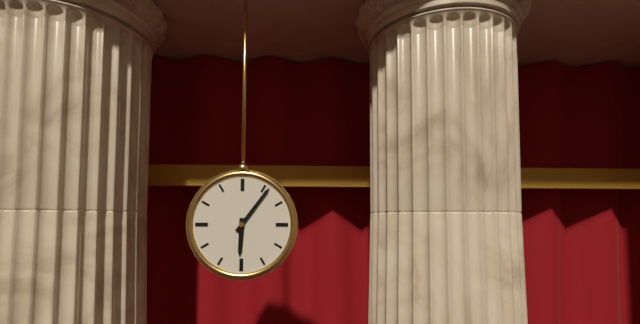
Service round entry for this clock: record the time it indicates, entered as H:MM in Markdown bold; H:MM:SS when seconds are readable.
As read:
**6:06**
